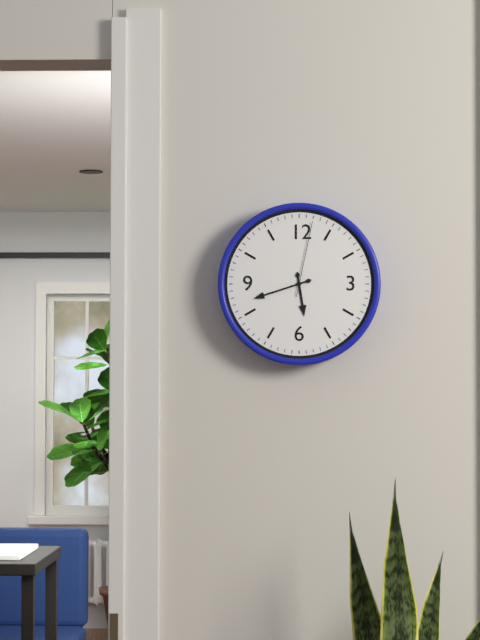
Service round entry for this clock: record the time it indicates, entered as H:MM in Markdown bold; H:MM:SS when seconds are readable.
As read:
**5:42:02**
